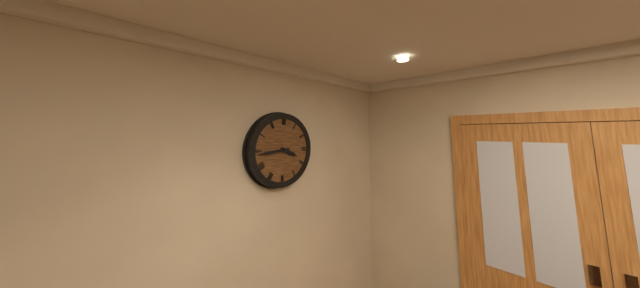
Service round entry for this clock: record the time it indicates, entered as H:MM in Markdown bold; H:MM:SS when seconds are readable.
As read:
**3:44**
